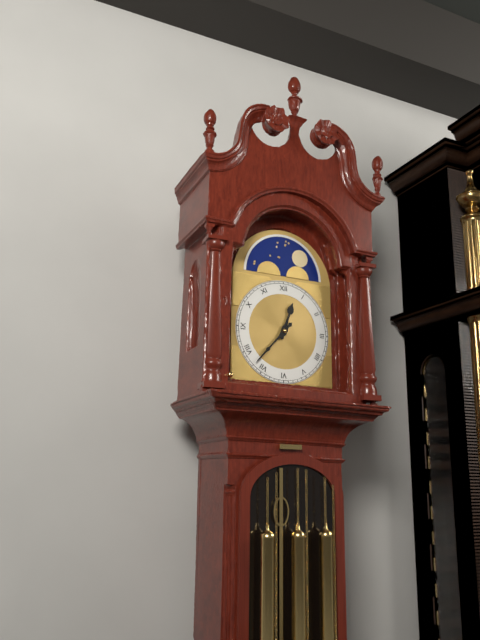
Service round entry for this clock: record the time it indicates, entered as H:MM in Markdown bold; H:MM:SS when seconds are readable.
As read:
**12:37**
